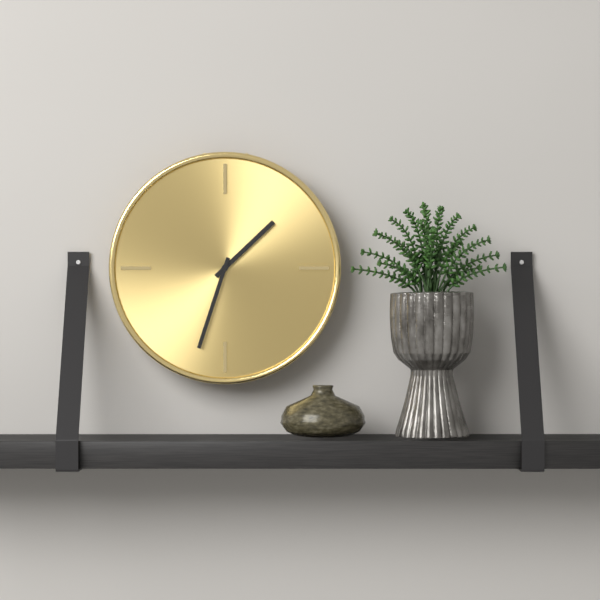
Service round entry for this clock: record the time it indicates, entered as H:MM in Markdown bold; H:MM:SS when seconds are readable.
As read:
**1:33**
